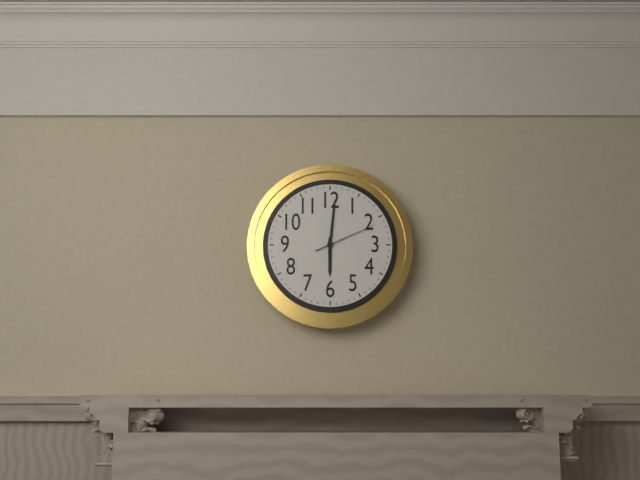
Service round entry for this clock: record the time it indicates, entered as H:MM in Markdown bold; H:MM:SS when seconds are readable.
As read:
**6:01:11**
